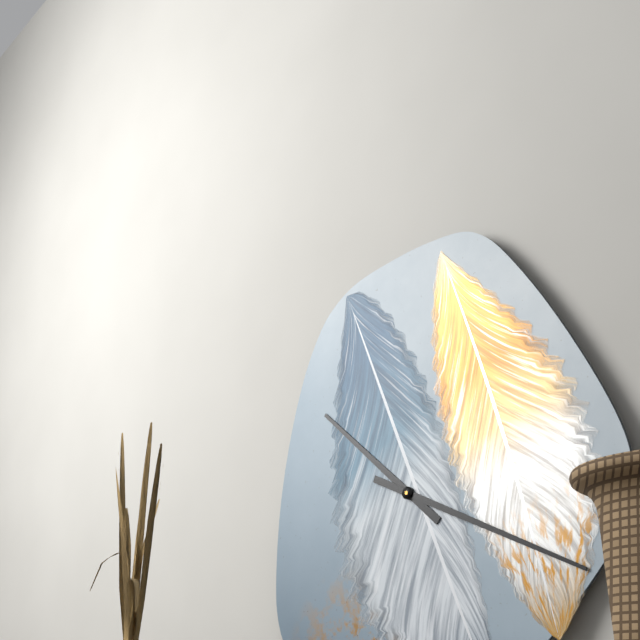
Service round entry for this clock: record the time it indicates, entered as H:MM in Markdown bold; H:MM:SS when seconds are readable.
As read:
**10:19**
